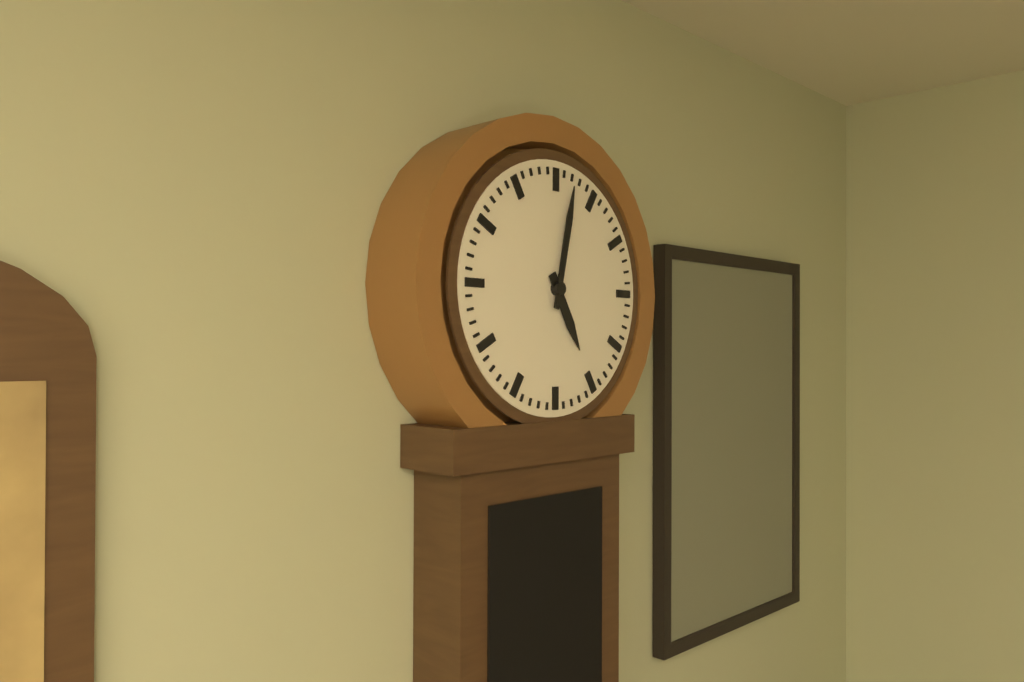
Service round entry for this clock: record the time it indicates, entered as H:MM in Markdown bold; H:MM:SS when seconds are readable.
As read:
**5:02**
